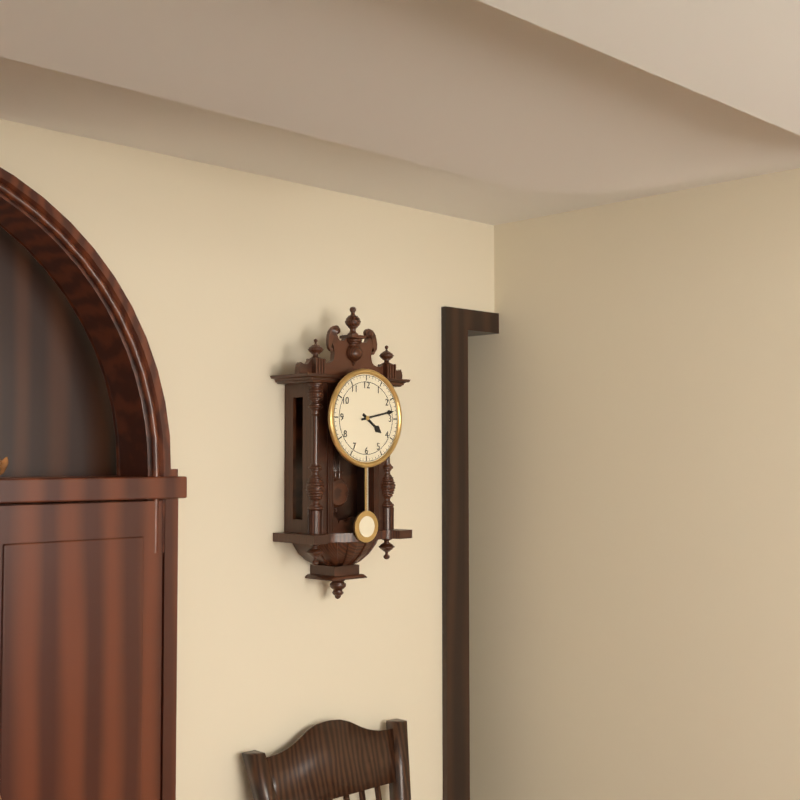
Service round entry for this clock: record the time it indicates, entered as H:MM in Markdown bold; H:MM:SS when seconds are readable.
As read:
**4:13**
